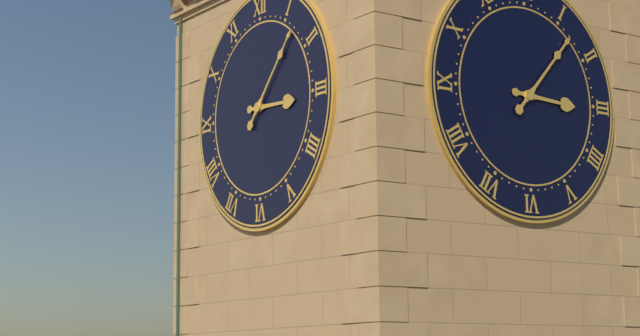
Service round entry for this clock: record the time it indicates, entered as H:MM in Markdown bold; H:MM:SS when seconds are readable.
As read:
**3:07**
